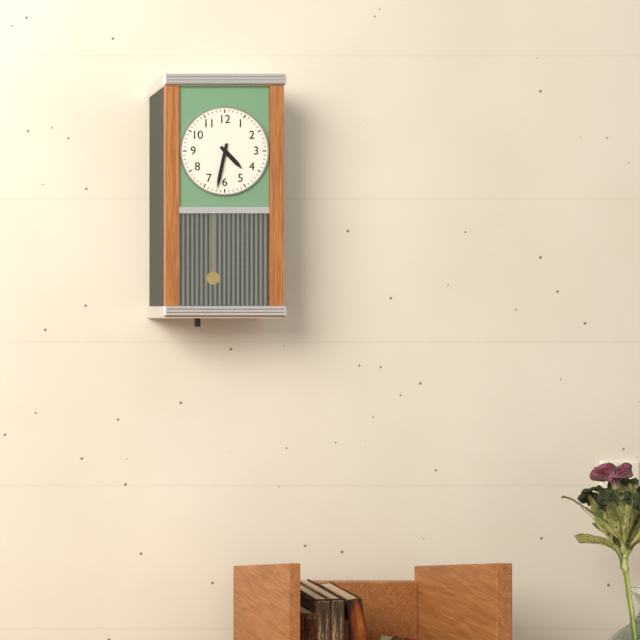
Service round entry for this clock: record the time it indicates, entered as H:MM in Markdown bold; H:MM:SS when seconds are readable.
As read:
**4:32**
